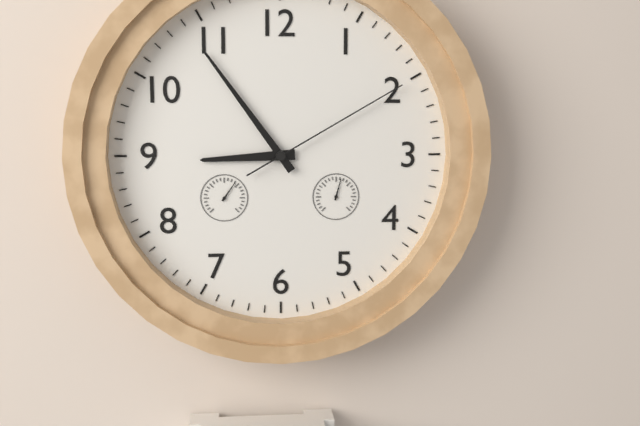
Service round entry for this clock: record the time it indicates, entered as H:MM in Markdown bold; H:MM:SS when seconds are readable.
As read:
**8:54:10**
